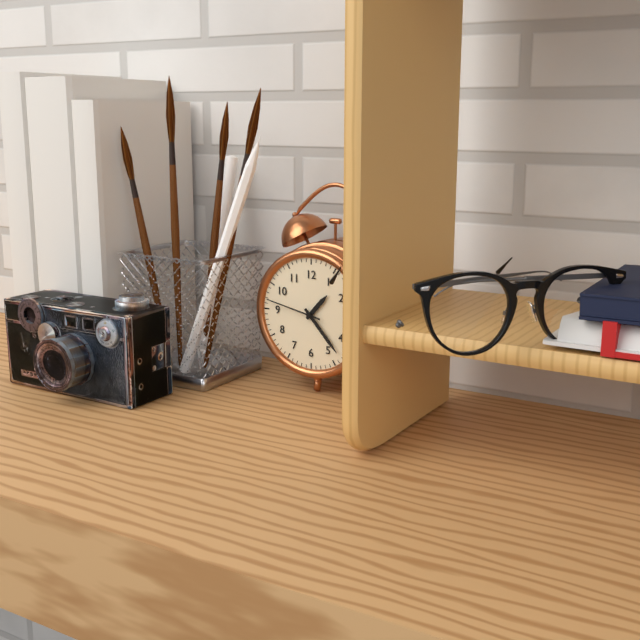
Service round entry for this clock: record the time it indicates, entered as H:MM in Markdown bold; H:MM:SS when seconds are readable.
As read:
**1:23:47**
